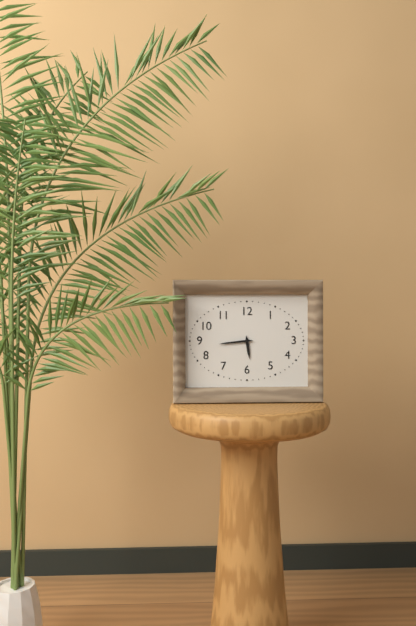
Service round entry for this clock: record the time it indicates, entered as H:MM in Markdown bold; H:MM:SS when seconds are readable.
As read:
**5:44**
